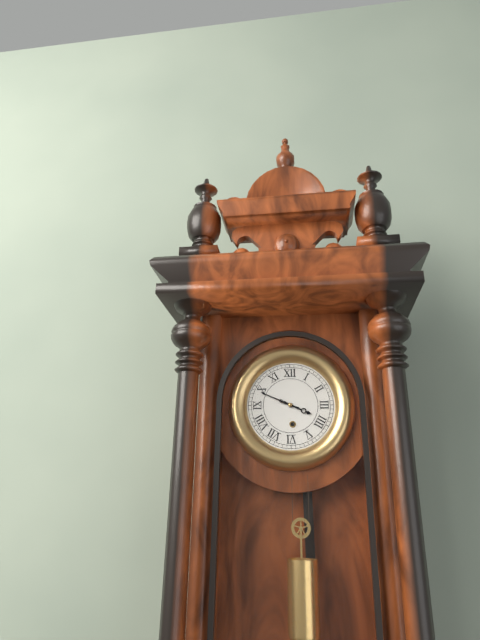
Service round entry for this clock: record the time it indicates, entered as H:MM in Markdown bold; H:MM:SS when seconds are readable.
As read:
**3:49**
